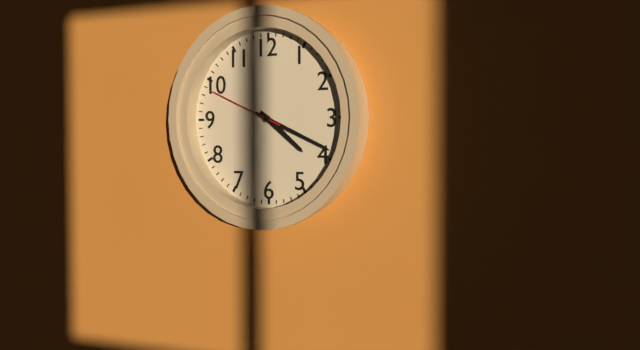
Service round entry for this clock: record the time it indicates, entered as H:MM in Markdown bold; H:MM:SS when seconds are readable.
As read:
**4:19:49**
